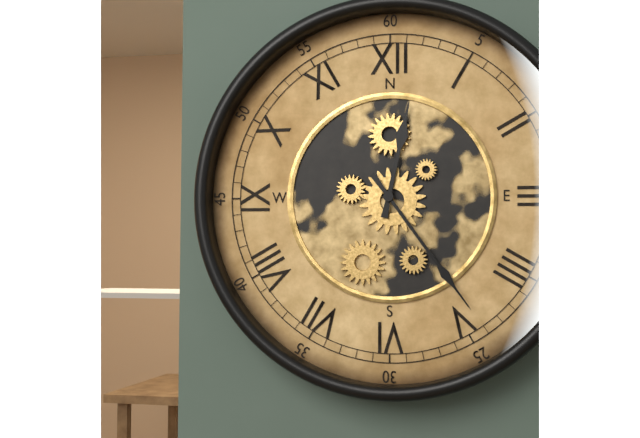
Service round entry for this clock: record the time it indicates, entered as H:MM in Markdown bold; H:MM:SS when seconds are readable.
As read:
**12:24**
